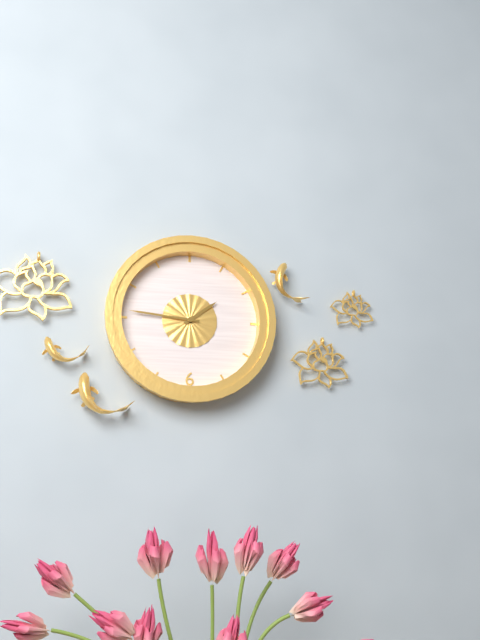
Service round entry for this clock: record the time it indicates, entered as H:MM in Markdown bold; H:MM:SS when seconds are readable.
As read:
**1:46**
